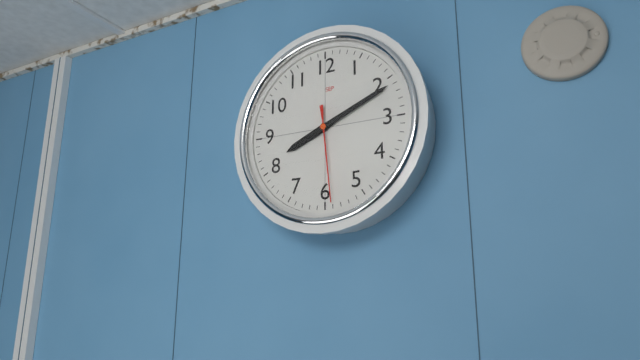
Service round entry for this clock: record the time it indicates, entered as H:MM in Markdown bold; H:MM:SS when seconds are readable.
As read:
**8:11:29**
